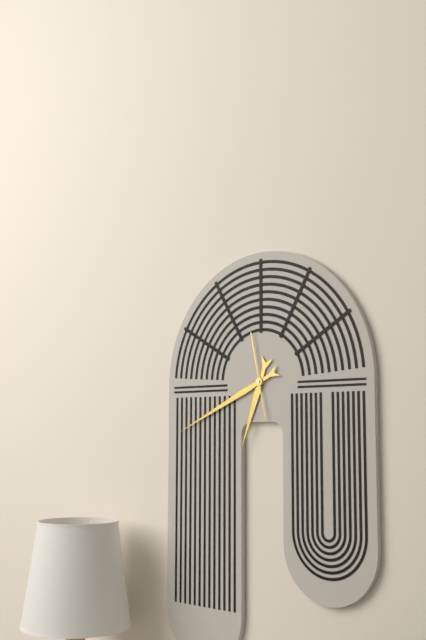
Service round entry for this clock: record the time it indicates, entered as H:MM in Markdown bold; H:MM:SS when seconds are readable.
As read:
**6:41:58**
